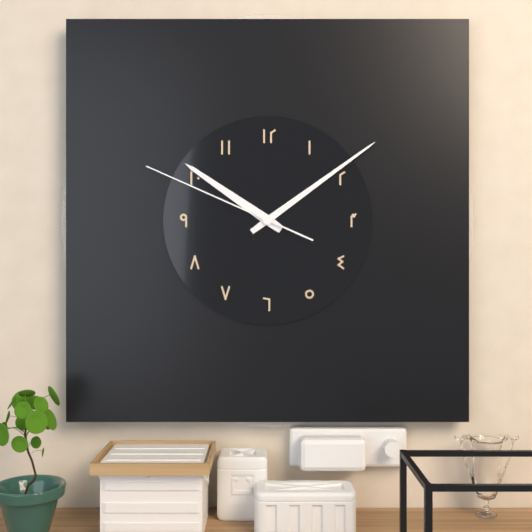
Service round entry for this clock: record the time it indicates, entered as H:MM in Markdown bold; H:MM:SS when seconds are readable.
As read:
**10:09:49**
